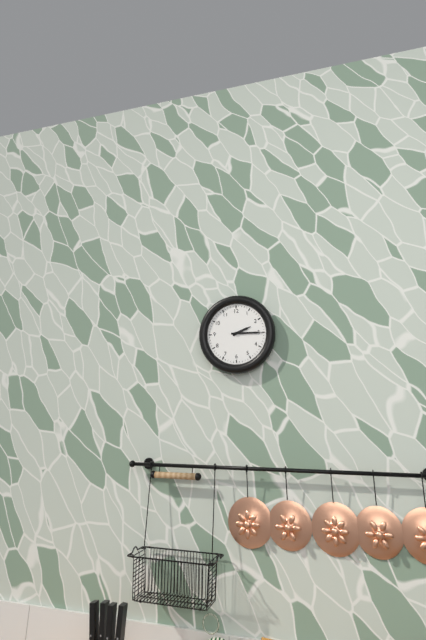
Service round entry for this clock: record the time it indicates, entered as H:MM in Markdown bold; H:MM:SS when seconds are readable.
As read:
**2:15**
